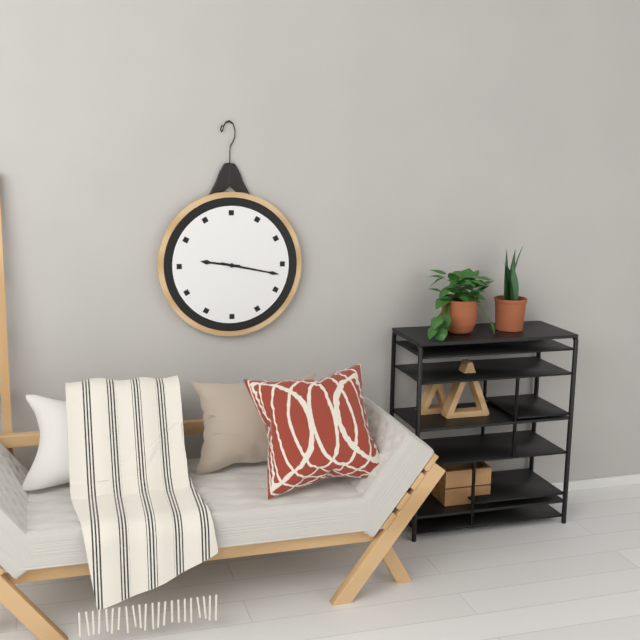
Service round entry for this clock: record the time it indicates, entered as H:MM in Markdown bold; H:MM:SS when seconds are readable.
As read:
**9:17**
